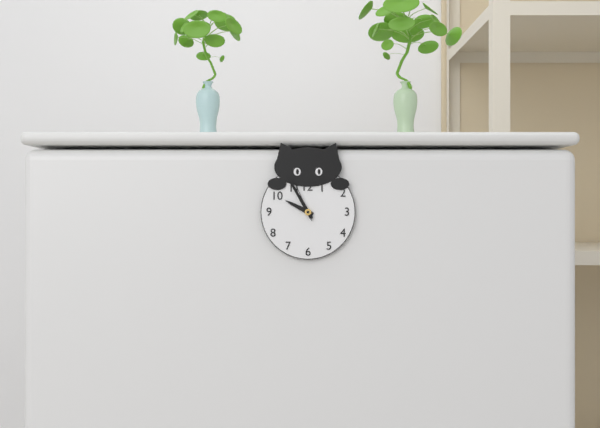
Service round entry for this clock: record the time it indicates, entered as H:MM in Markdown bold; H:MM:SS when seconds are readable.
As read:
**9:55**
